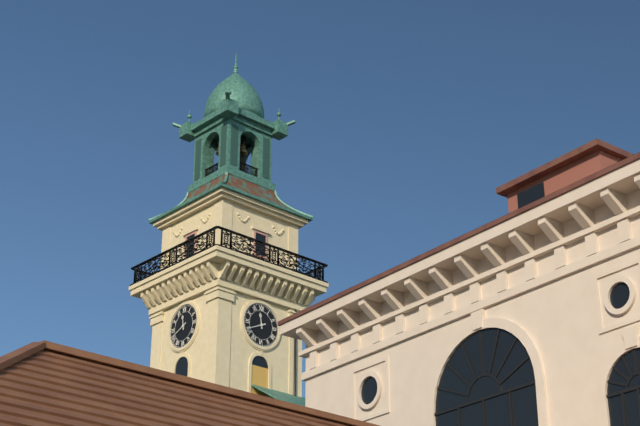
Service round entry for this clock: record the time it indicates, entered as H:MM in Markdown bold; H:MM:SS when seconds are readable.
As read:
**11:41**
